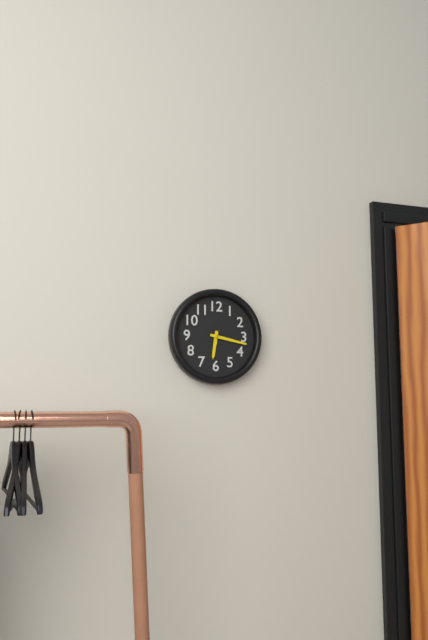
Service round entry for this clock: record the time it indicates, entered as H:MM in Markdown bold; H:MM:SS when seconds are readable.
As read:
**6:17**
